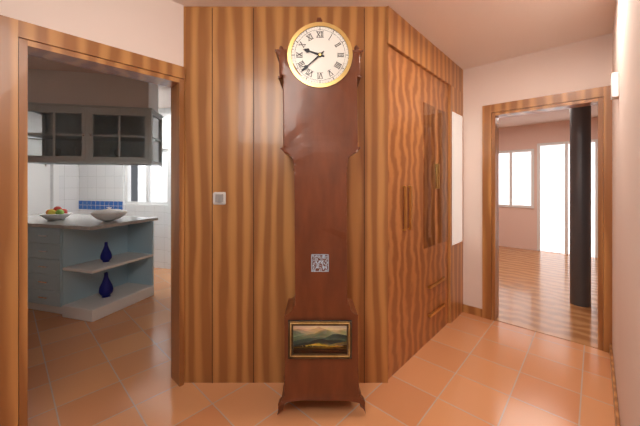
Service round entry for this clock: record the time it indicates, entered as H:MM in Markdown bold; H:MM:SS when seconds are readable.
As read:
**9:38**
